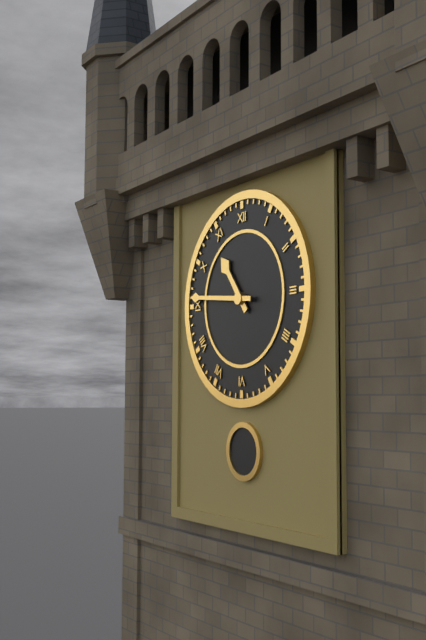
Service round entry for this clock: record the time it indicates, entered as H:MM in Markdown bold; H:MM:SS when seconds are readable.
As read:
**10:46**
